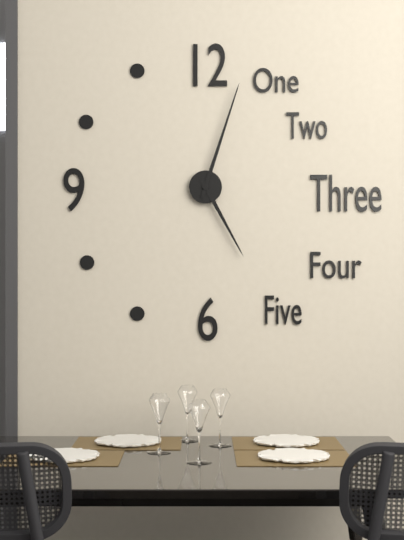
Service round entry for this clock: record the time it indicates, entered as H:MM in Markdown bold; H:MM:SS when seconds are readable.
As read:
**5:03**
